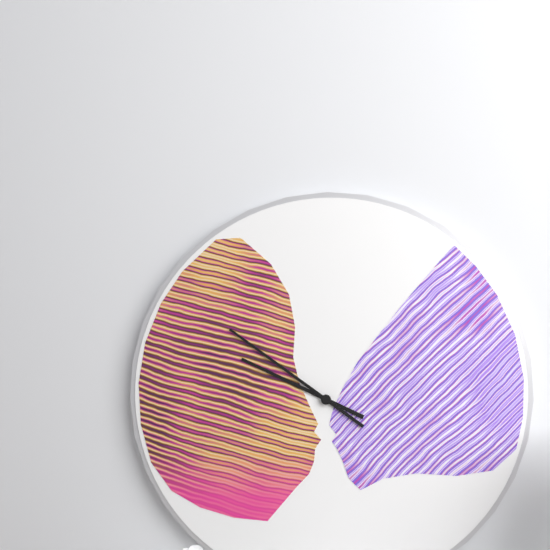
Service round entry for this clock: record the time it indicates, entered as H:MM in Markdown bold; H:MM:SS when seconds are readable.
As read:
**9:51**
